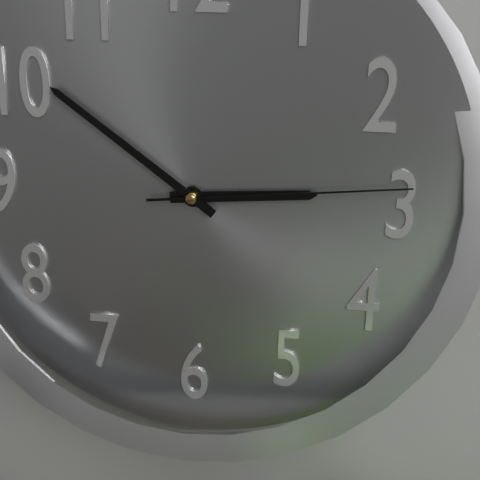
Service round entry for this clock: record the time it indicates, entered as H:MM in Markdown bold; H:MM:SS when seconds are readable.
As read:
**2:51:14**
